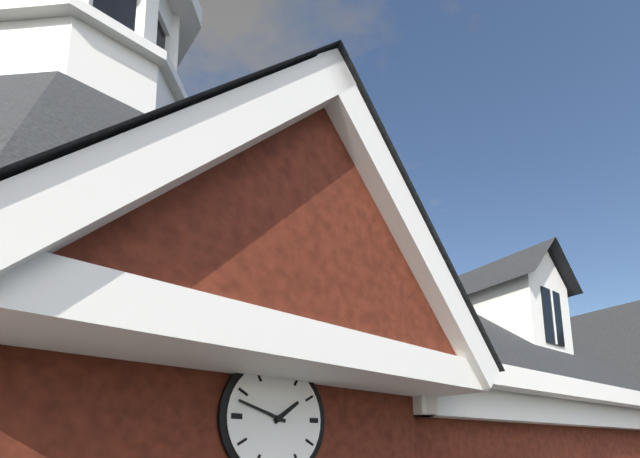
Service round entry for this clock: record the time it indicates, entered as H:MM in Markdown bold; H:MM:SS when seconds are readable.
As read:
**1:48**
